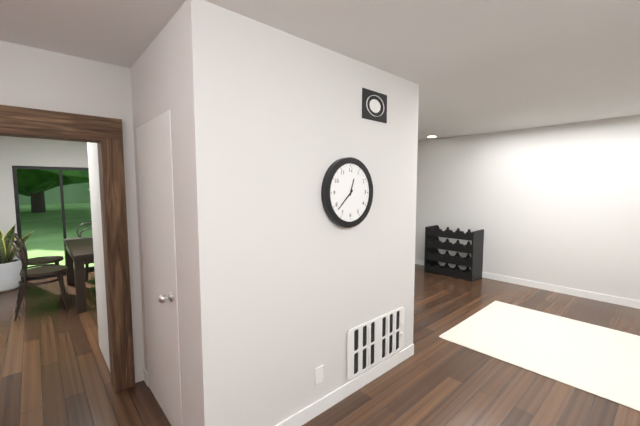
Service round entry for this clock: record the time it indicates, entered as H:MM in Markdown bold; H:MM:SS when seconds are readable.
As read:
**12:38**
